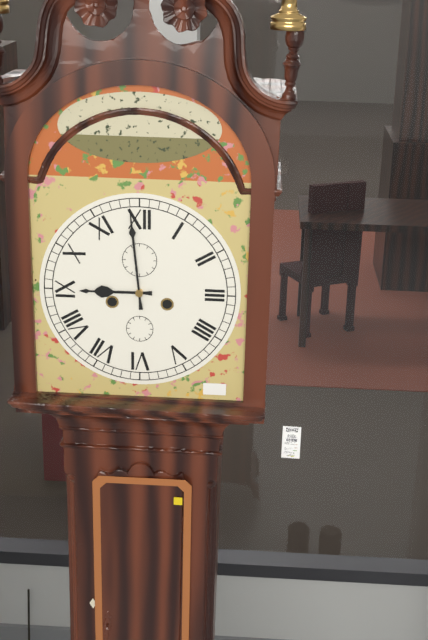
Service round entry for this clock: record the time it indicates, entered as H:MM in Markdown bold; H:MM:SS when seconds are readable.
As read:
**8:59**
